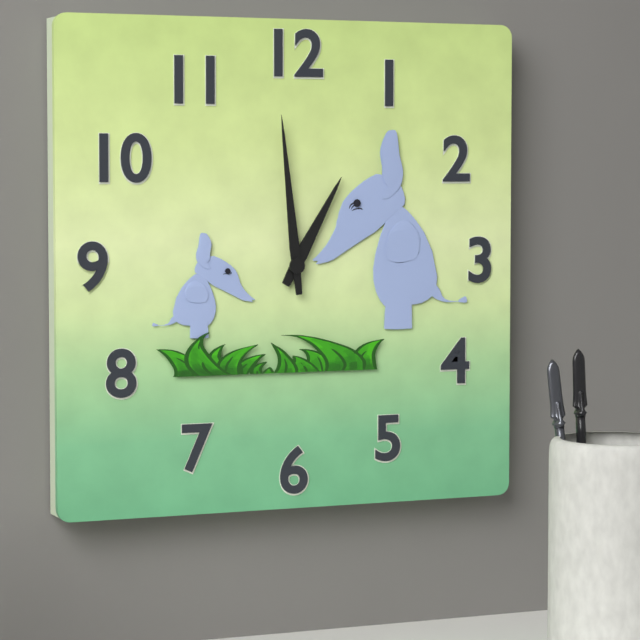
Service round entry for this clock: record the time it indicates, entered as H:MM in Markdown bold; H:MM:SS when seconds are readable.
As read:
**12:59**
